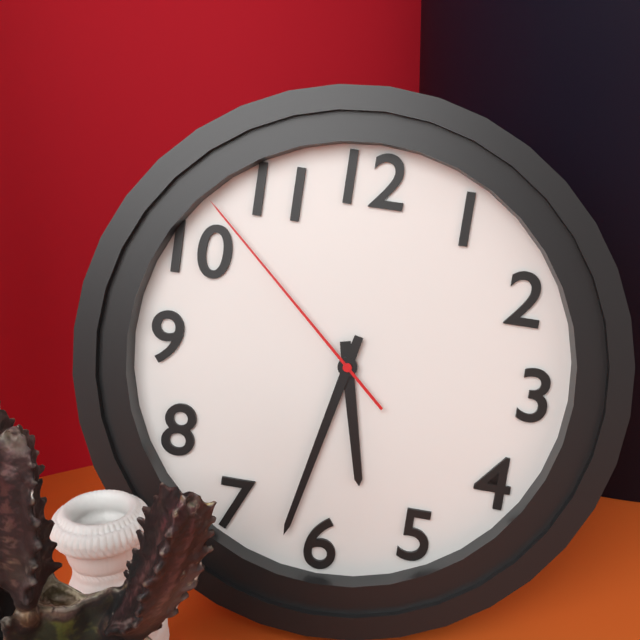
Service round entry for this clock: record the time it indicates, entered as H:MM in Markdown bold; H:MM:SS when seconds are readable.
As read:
**5:32:52**
